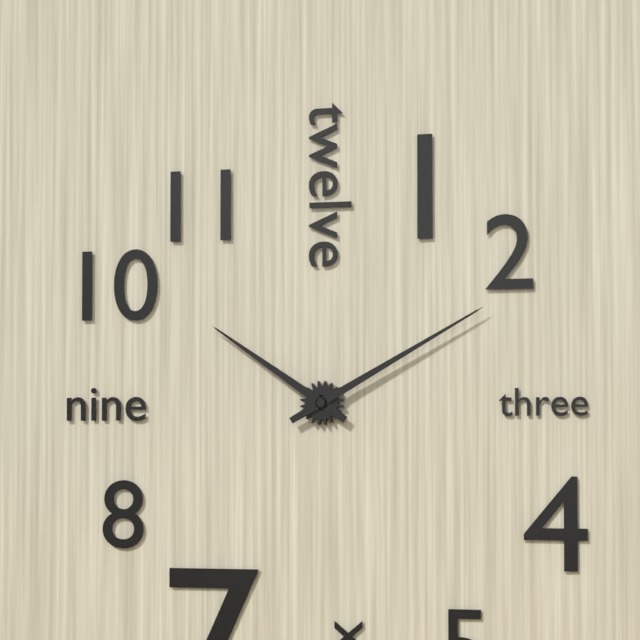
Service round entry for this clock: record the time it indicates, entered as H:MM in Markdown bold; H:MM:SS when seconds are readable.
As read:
**10:10**
